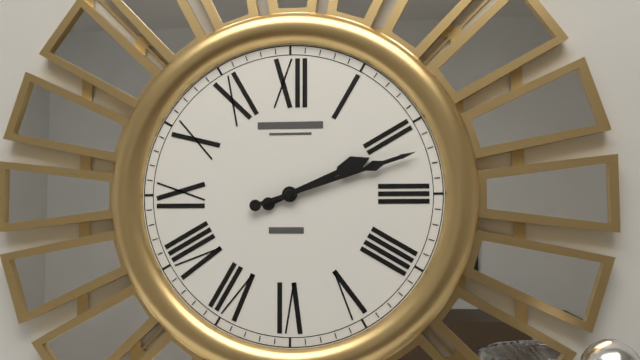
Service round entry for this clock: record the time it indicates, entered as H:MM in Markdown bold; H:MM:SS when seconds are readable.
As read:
**2:12**
